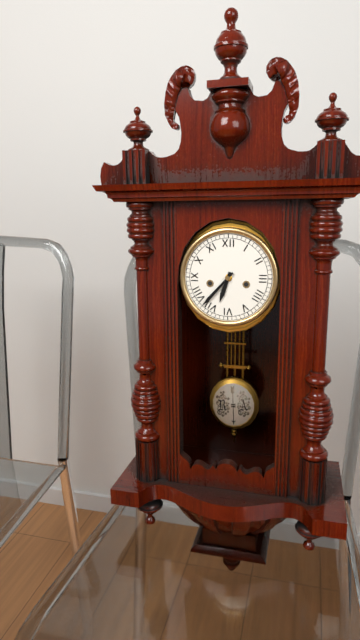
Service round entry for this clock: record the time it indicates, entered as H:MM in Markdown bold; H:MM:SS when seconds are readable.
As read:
**6:37**
